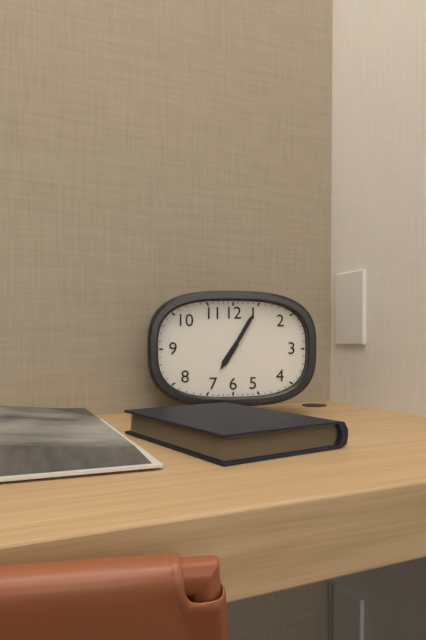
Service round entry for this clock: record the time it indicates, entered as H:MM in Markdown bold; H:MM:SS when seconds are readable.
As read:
**7:05**
